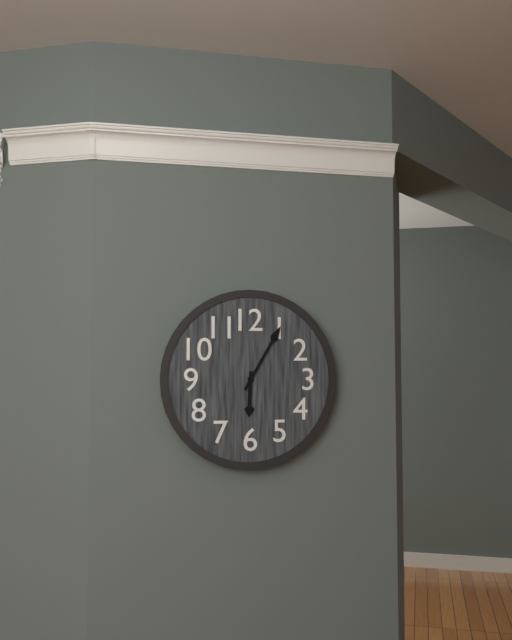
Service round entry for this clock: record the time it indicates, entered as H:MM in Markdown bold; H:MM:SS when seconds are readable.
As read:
**6:05**
